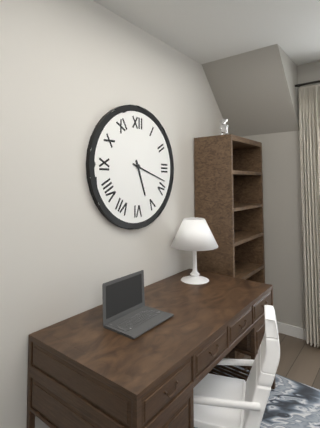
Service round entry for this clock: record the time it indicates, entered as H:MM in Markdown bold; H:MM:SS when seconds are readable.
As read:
**5:18**
